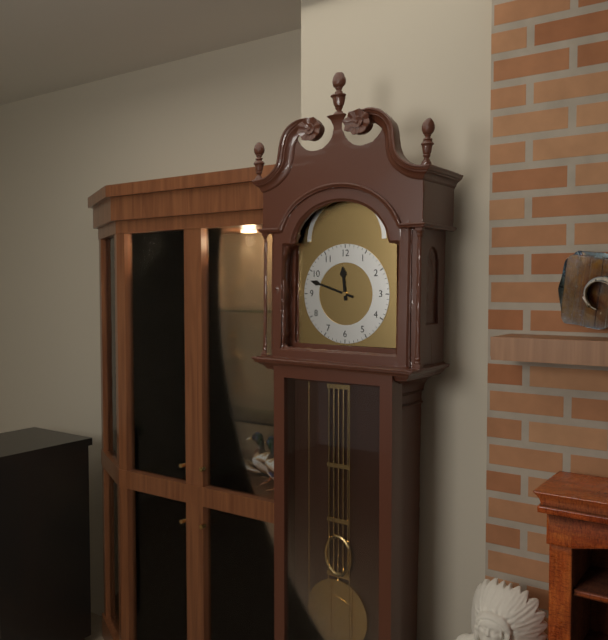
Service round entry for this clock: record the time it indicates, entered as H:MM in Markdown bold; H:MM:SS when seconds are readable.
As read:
**11:48**
